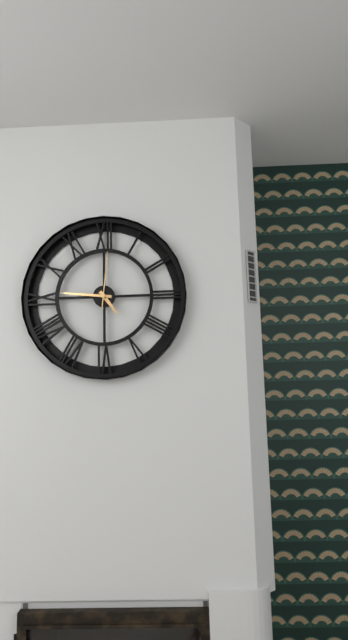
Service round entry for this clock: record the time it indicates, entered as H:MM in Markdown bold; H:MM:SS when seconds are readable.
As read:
**4:46:01**
